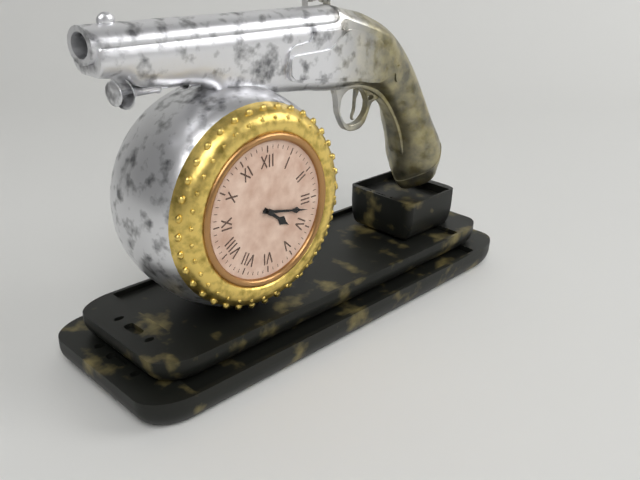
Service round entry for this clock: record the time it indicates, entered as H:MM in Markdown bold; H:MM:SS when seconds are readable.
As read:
**4:17**
